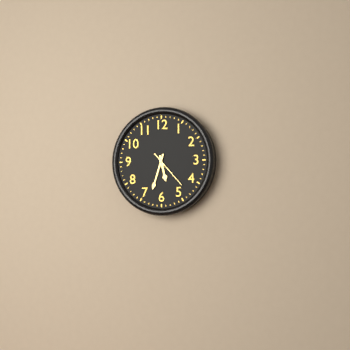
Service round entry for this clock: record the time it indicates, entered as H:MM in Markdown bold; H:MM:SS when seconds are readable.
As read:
**5:33**
